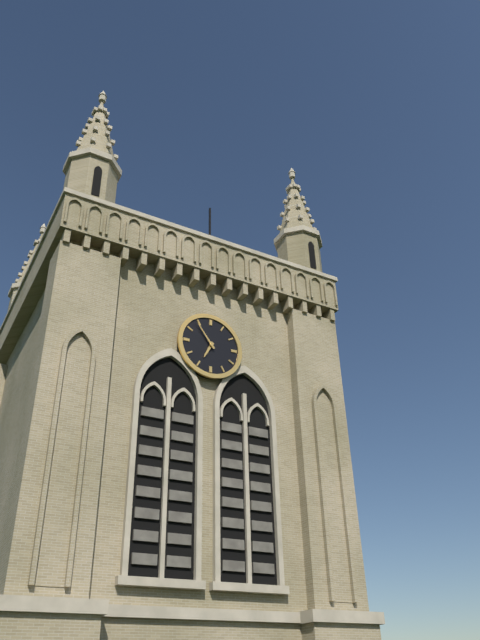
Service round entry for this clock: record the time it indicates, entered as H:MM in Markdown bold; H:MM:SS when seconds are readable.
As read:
**6:54**
